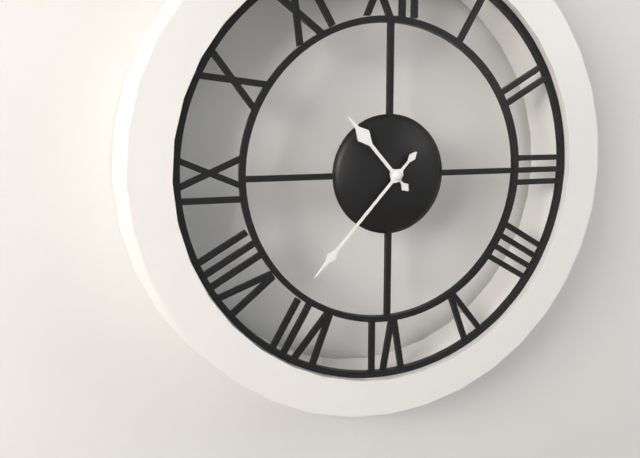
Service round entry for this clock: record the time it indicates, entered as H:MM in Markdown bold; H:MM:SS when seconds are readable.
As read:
**10:37**
